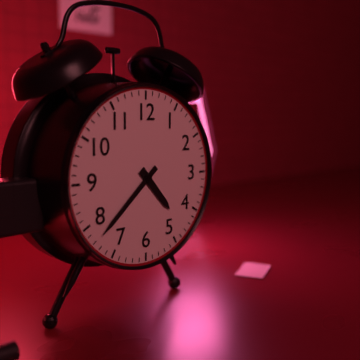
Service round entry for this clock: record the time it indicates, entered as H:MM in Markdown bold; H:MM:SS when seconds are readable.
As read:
**4:38**
